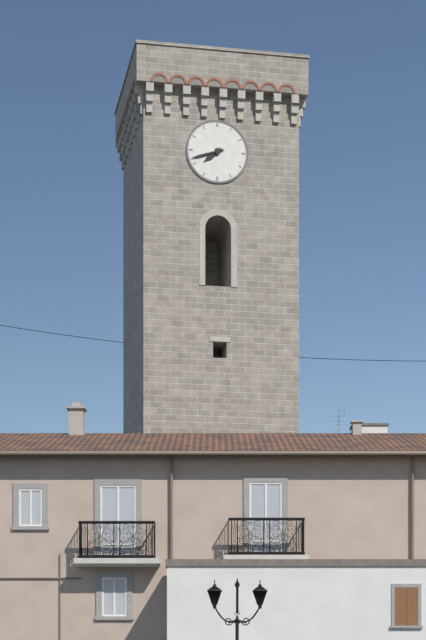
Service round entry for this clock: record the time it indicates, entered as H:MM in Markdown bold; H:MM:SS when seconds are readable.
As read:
**7:42**
